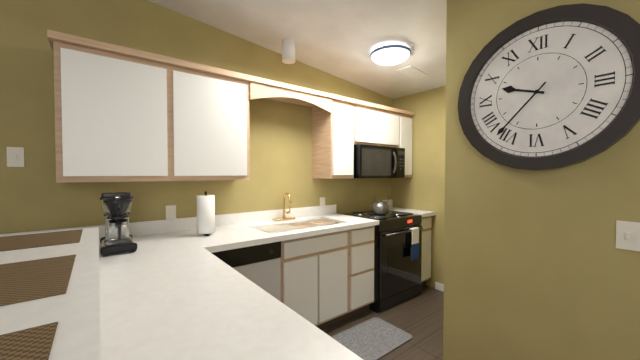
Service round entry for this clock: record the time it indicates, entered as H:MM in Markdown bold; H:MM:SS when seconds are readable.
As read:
**9:37**
